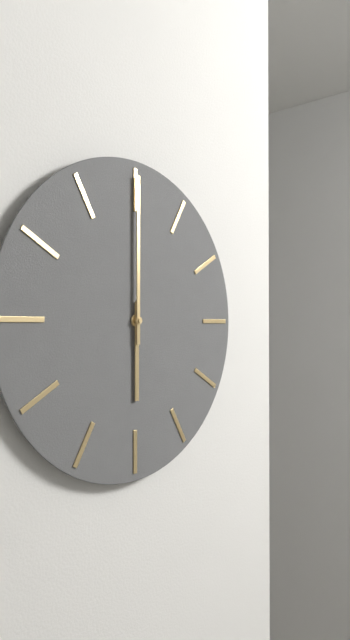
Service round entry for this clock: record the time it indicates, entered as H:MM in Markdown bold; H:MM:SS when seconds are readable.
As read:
**6:00**
